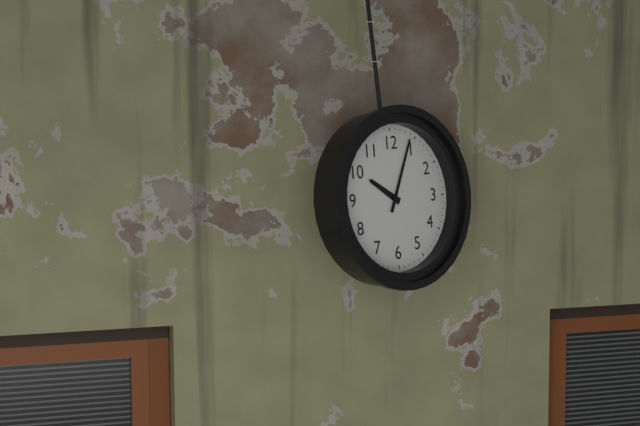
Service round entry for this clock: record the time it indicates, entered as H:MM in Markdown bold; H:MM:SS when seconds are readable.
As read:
**10:04**
